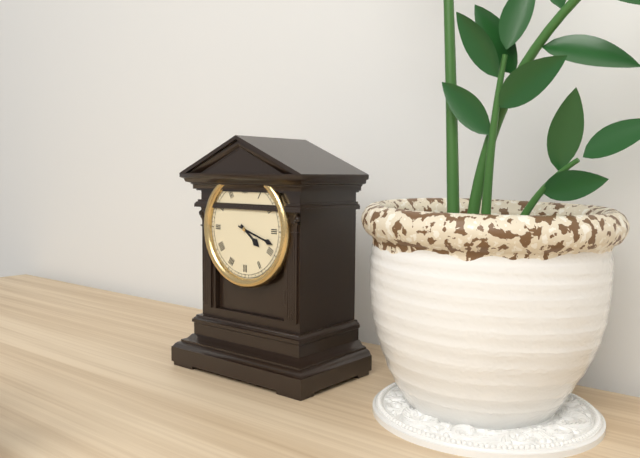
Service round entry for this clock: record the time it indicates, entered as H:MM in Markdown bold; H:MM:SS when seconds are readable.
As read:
**4:18**
